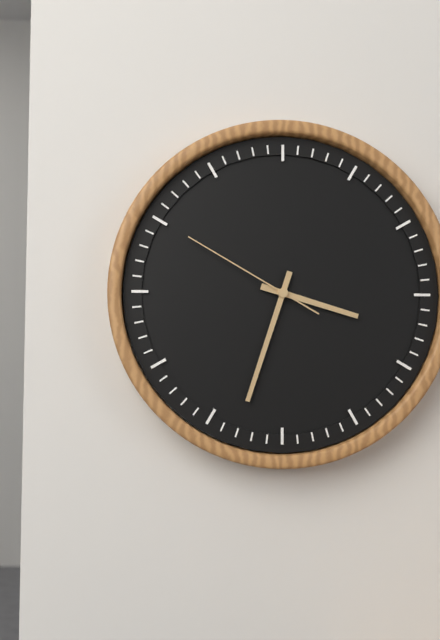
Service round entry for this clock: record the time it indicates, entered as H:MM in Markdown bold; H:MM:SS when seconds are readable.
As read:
**3:33:50**
